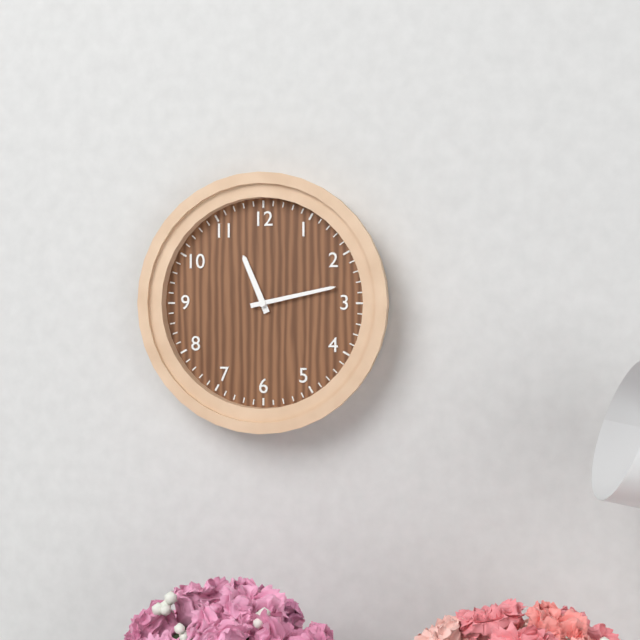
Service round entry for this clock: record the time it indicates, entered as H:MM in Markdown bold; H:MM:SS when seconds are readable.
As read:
**11:13**
